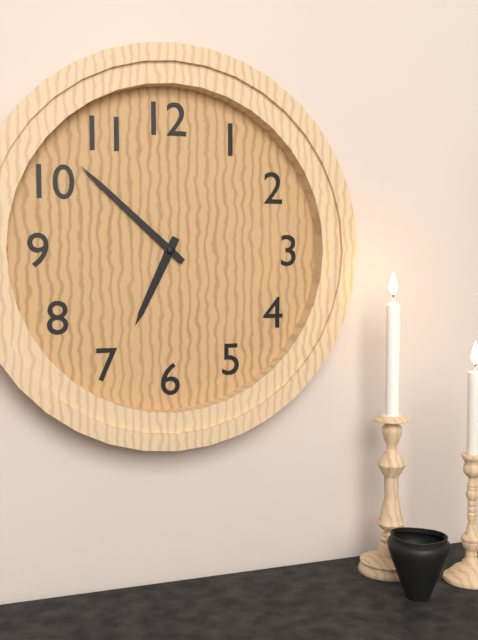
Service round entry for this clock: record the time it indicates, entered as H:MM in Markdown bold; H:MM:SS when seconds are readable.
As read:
**6:52**
